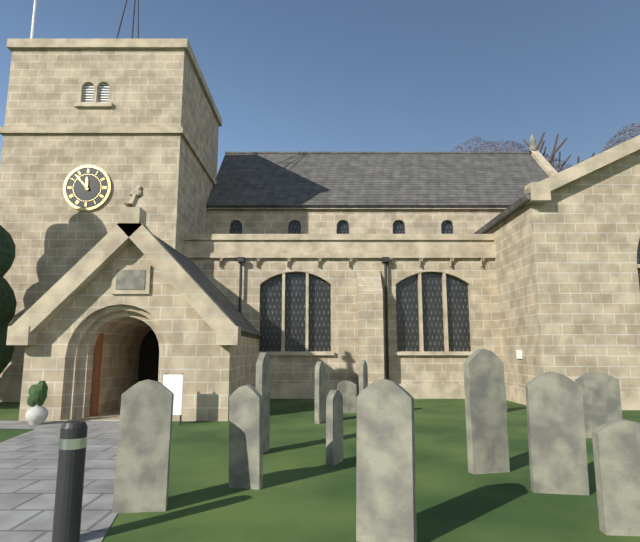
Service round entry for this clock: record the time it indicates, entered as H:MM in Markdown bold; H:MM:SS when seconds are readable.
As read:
**11:53**
